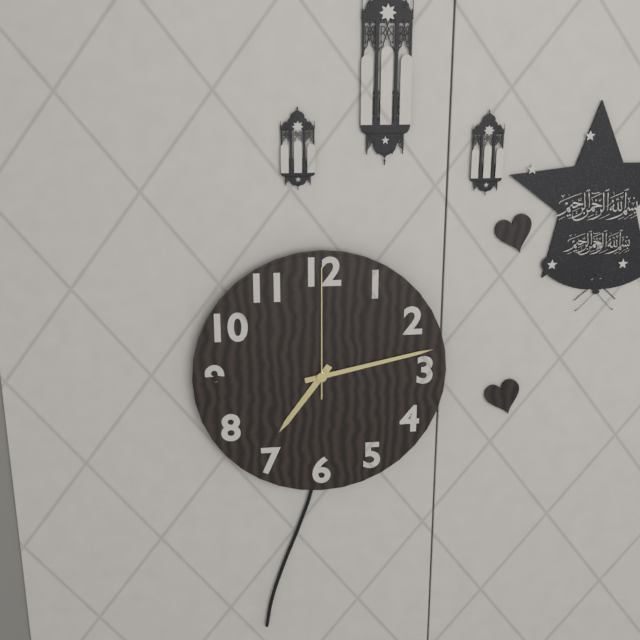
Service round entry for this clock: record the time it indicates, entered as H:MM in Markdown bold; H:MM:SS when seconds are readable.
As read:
**7:13:00**
